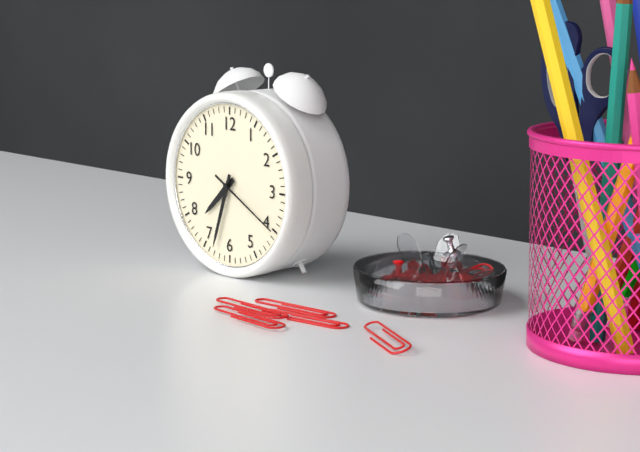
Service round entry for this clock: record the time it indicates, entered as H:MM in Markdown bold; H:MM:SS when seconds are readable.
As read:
**7:33:20**
